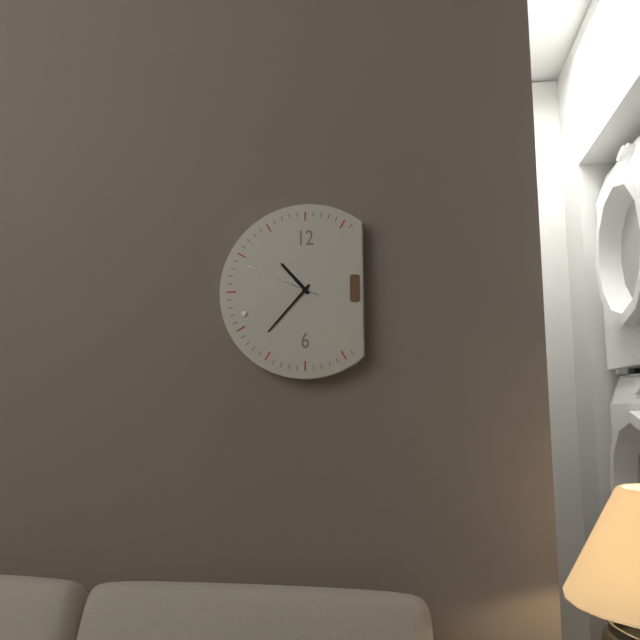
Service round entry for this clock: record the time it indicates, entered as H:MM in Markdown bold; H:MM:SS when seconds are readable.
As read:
**10:37:49**
